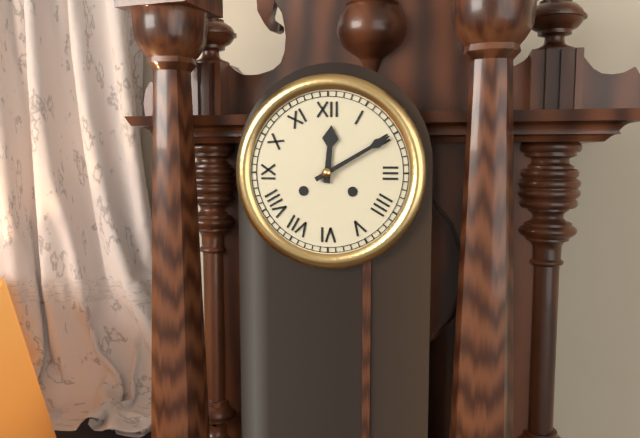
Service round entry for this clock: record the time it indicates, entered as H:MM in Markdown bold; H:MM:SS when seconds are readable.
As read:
**12:10**
